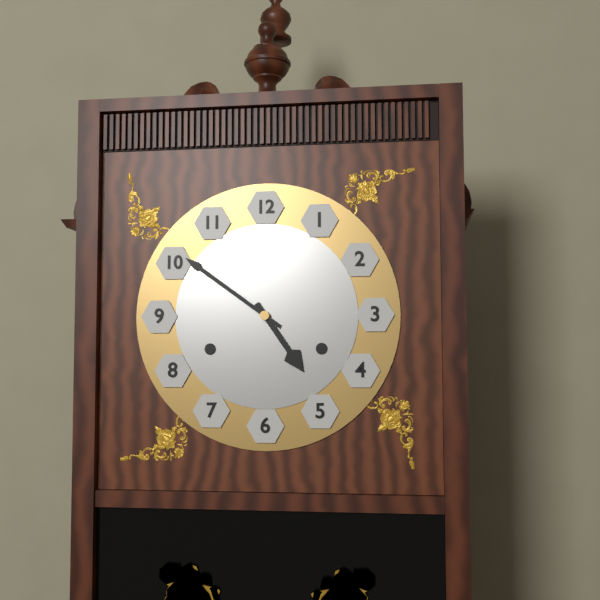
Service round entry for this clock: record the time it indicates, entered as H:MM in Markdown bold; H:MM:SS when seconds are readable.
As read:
**4:51**
